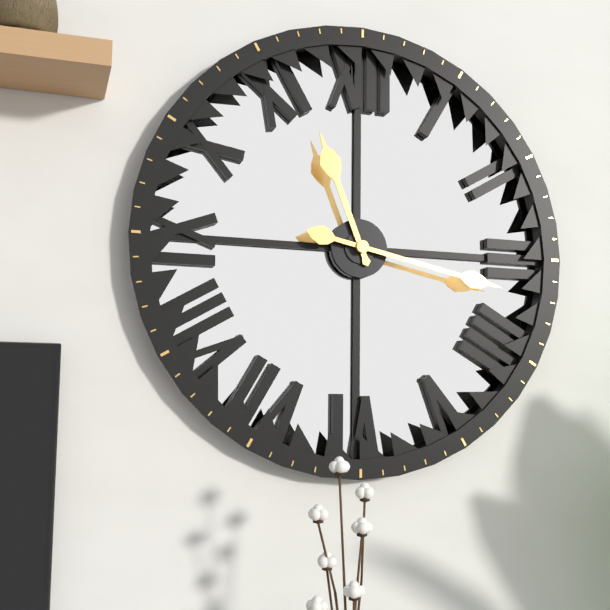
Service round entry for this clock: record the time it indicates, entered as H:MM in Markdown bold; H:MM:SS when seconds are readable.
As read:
**11:17**
